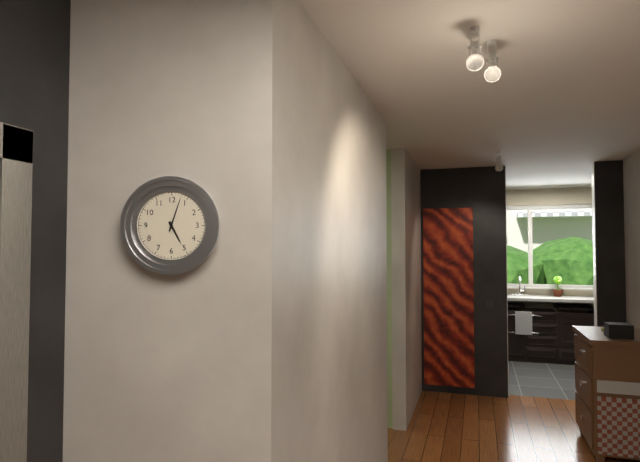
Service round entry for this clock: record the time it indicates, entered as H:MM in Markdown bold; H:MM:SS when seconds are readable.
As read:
**5:03**
